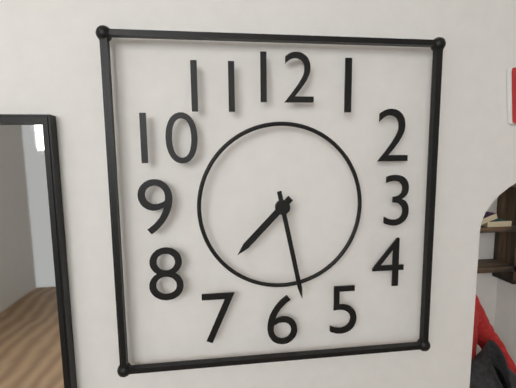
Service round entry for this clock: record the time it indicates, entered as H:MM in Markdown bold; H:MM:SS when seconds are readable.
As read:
**7:28**
